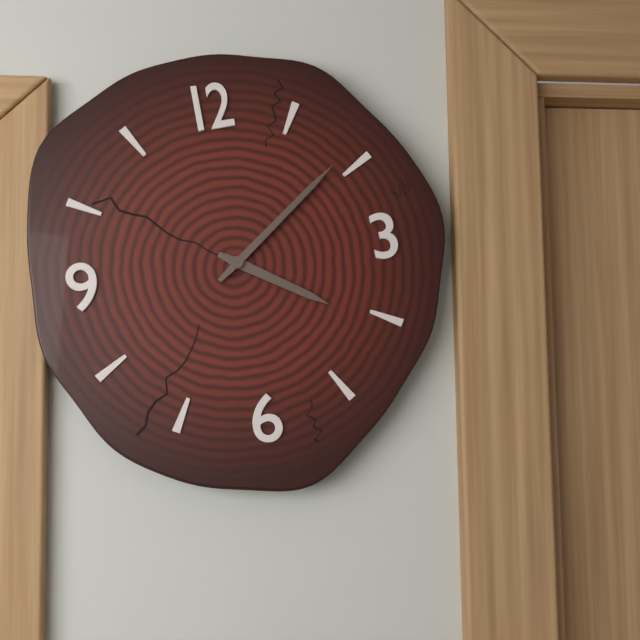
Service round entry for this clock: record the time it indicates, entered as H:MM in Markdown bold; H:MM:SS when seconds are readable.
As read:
**4:09**
